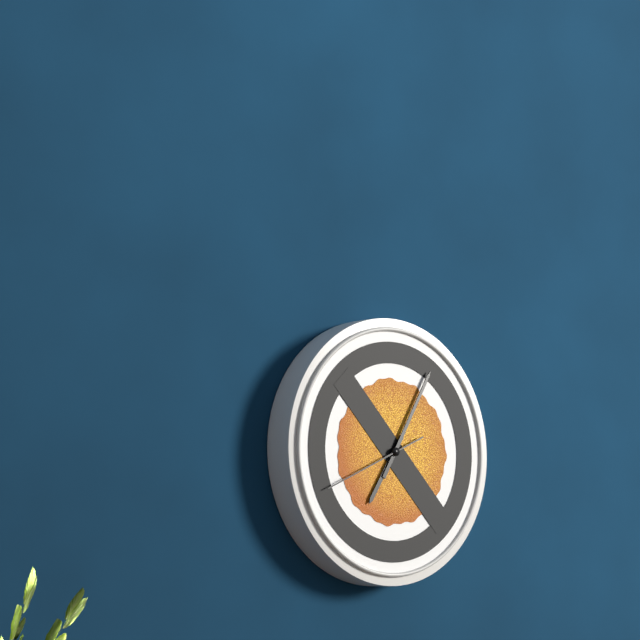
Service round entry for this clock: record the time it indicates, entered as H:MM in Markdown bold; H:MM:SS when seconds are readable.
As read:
**7:05:41**
